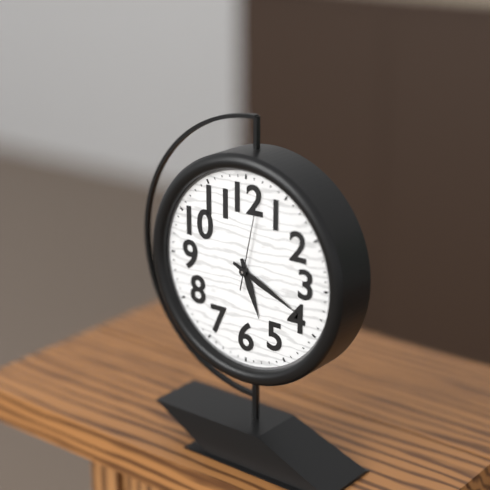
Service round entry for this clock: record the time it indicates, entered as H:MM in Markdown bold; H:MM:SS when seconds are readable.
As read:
**5:19:02**
